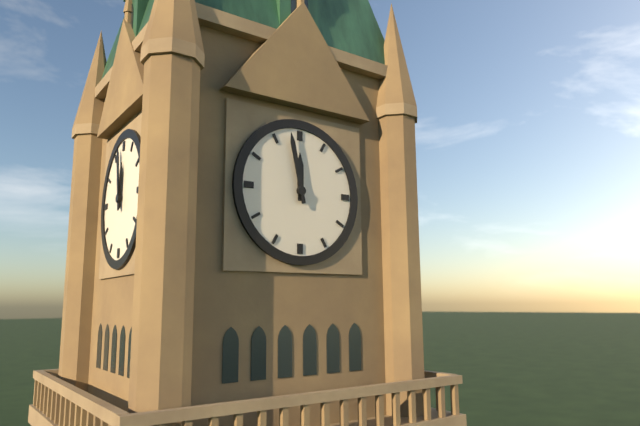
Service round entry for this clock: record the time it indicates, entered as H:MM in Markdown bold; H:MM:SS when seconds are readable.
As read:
**11:58**
